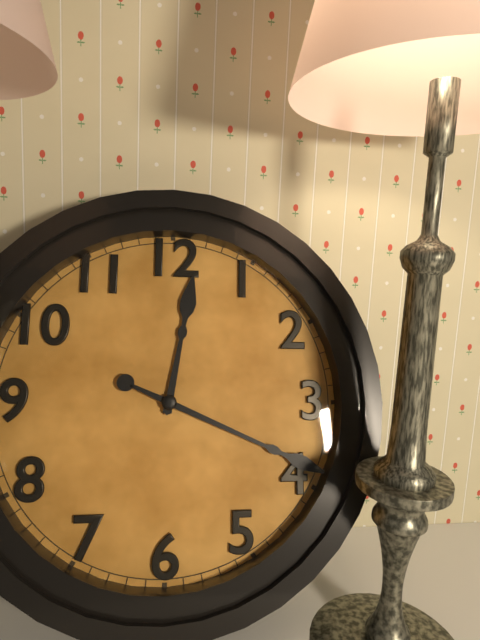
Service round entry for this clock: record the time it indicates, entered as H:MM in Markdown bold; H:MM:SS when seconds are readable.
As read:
**12:19**
